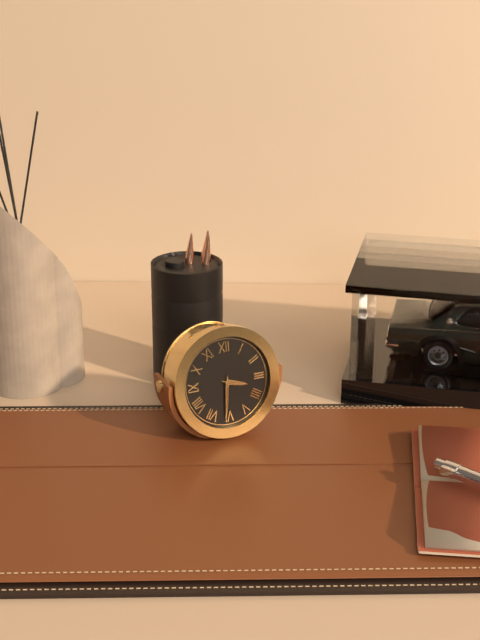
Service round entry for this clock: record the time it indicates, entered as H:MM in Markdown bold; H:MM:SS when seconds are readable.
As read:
**3:31**
